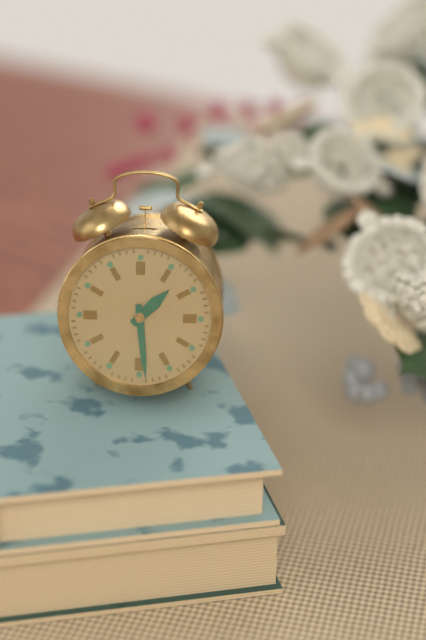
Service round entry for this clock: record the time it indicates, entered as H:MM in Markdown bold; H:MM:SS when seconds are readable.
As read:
**1:29**
